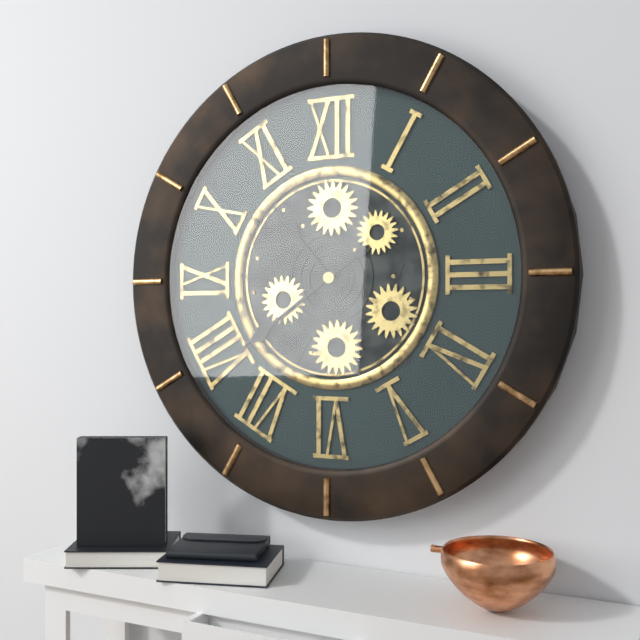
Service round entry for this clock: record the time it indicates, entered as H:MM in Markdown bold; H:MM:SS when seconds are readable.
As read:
**10:39**
